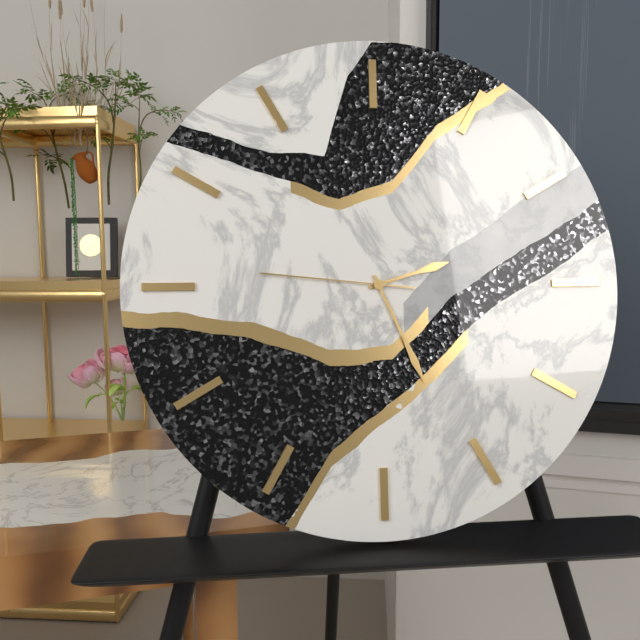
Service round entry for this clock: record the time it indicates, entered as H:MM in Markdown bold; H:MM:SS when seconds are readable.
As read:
**2:26:46**
